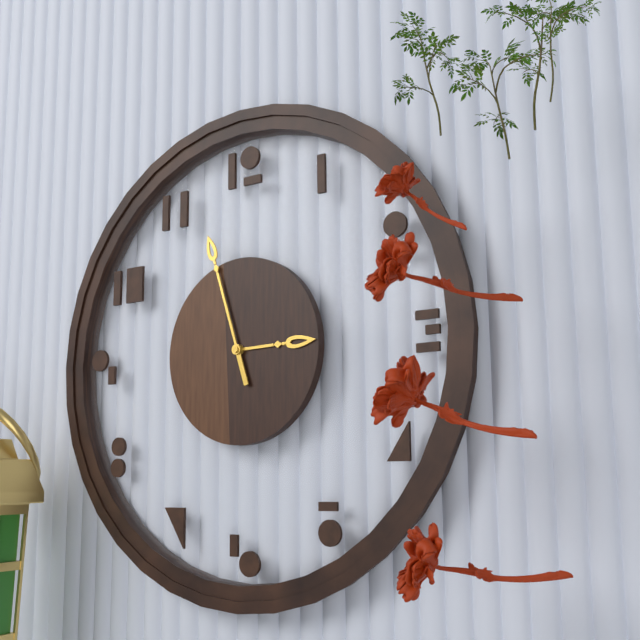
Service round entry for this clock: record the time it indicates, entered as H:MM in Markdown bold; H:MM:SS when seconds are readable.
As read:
**2:57**
